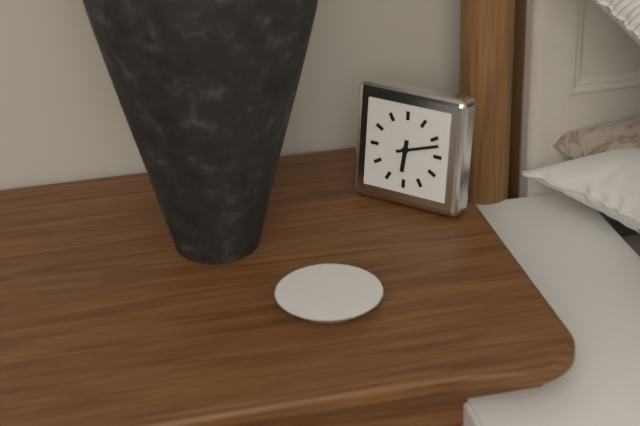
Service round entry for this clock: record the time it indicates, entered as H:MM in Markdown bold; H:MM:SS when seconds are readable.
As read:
**6:12**
